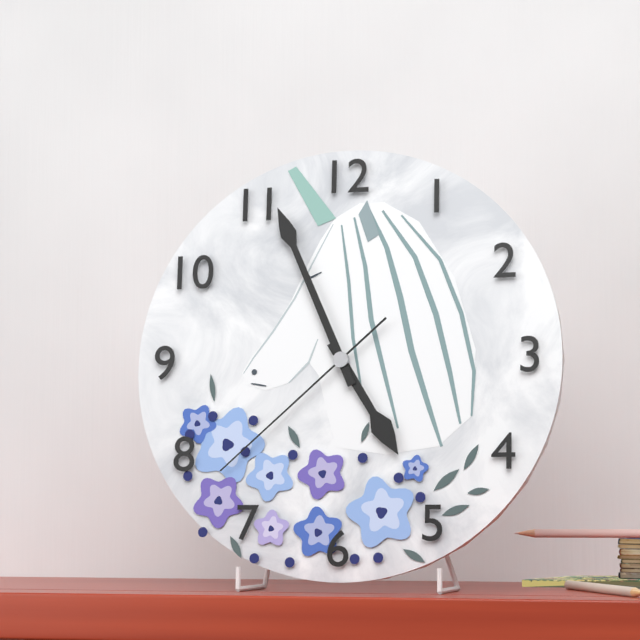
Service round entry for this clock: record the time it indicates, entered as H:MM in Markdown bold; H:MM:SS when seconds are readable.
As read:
**4:56:38**
